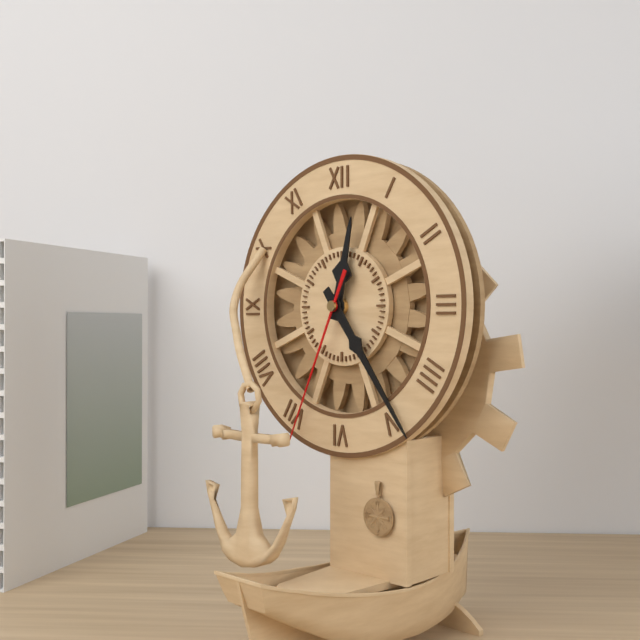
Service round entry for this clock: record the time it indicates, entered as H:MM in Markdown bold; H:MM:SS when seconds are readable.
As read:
**12:24:34**
